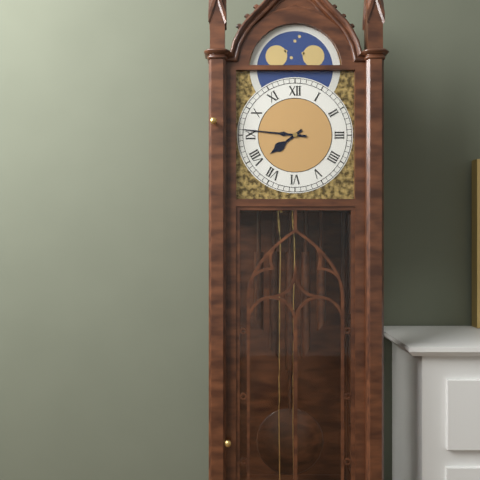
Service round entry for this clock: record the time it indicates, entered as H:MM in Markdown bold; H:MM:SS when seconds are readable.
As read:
**7:46**
